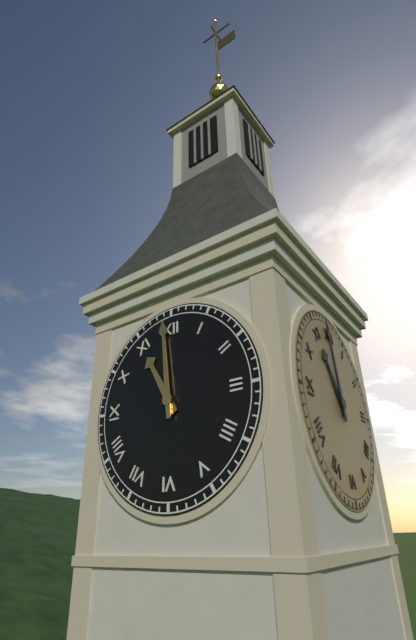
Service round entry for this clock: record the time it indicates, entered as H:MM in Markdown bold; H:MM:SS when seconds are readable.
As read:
**10:59**
